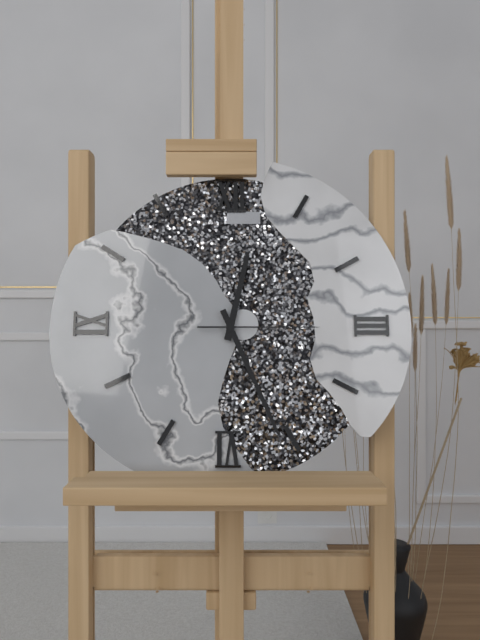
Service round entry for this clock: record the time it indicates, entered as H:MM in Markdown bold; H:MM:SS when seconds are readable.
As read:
**12:26:15**
